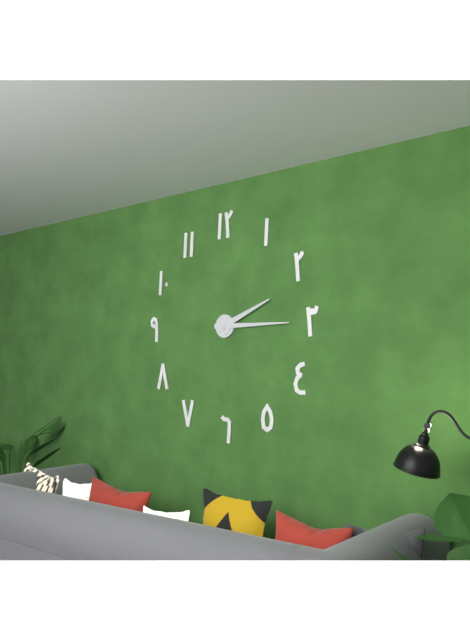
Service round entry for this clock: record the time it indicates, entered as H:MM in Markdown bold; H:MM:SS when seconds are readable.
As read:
**2:15**
